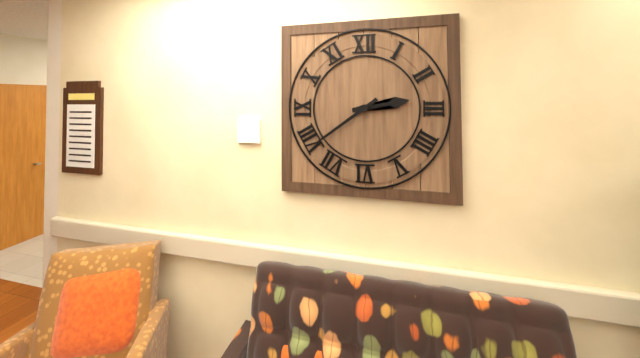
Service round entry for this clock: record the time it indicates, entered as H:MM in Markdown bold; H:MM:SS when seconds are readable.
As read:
**2:39**
